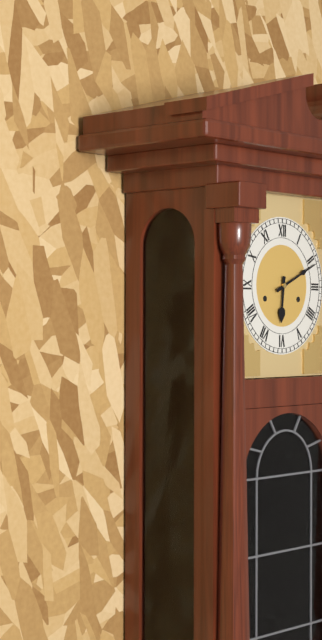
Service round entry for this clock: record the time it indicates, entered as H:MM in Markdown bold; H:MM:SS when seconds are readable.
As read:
**6:11**
